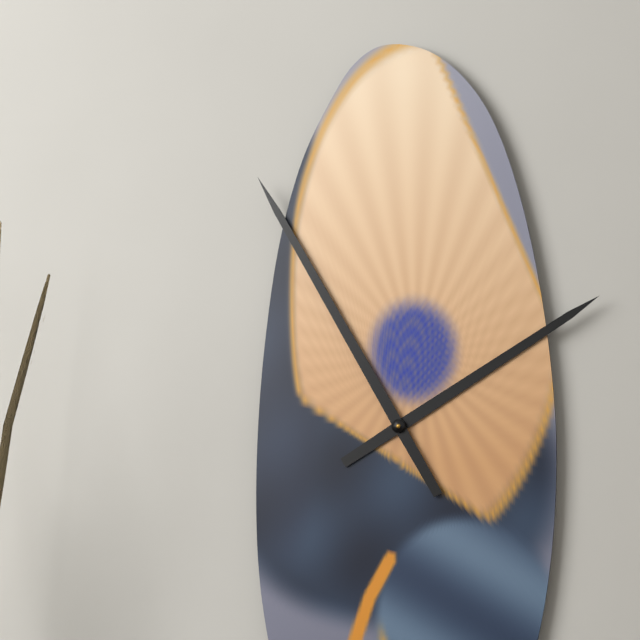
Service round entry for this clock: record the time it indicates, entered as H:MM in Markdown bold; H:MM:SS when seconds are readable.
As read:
**1:55**
